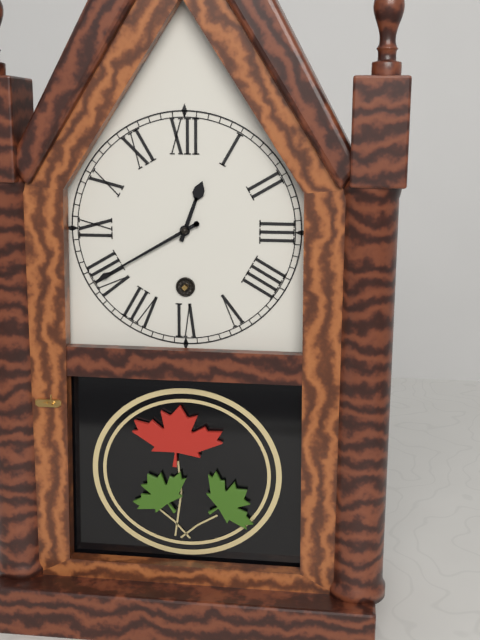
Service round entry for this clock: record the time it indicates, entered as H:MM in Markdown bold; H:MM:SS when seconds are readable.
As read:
**12:40**
